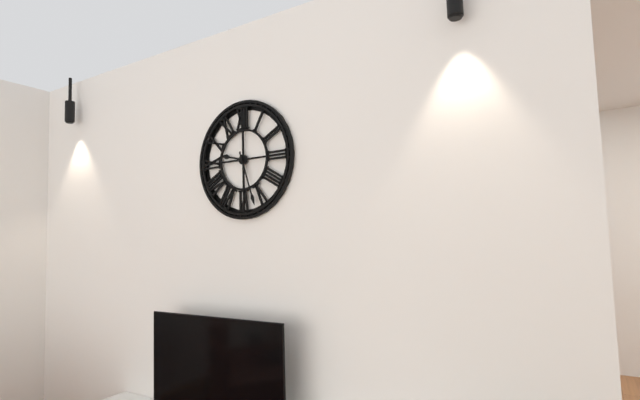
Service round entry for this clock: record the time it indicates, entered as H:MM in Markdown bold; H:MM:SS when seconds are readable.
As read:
**9:27**
